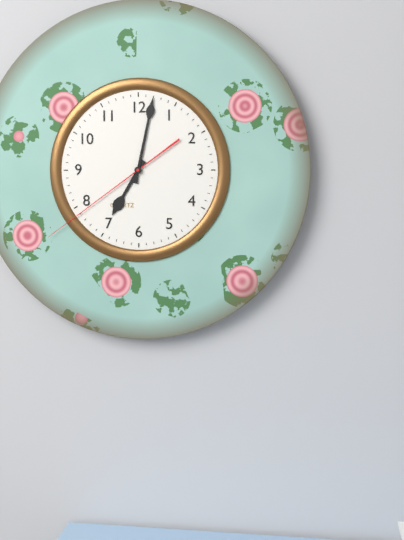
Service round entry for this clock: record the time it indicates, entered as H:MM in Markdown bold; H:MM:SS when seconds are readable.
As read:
**7:02:39**
